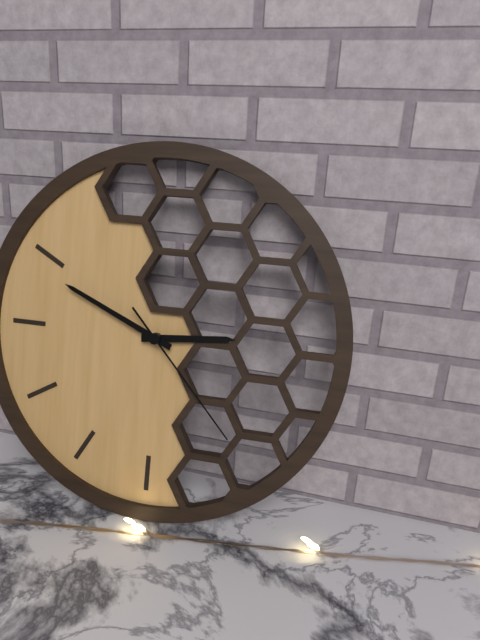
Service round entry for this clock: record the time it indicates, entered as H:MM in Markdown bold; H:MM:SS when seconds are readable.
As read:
**2:49:23**
